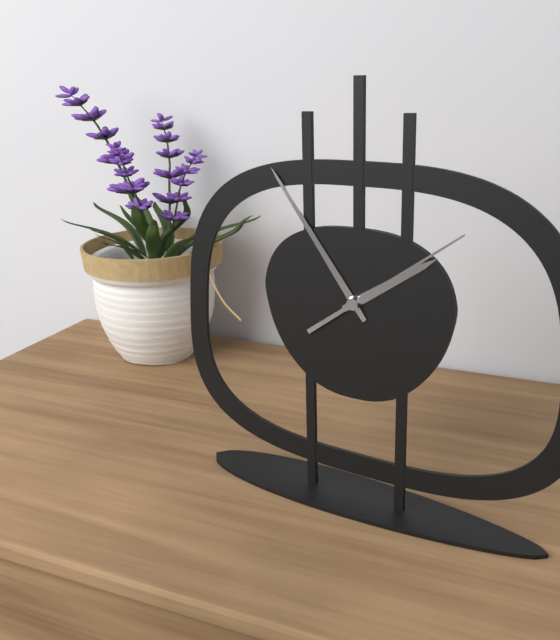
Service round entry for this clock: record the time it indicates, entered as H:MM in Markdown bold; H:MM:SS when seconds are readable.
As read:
**1:54:09**
